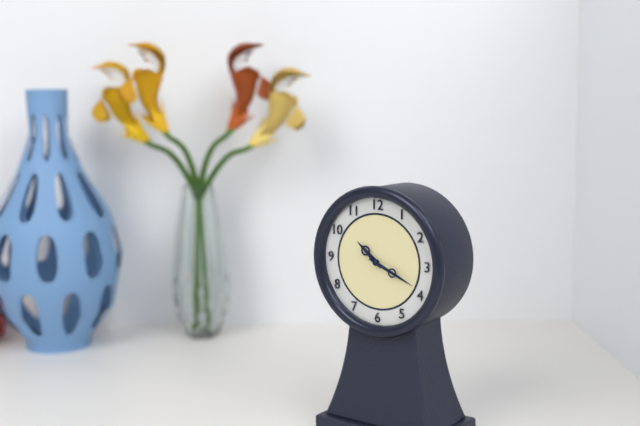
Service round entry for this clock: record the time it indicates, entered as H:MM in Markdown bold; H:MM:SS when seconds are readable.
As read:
**10:19**
